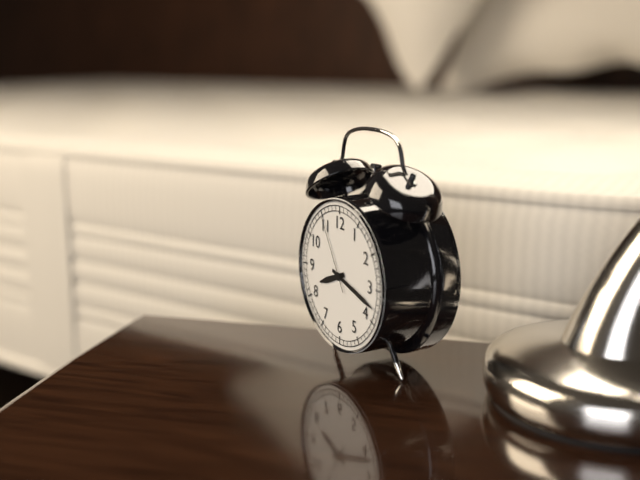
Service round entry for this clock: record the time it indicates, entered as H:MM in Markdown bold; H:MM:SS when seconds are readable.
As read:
**8:18:55**
